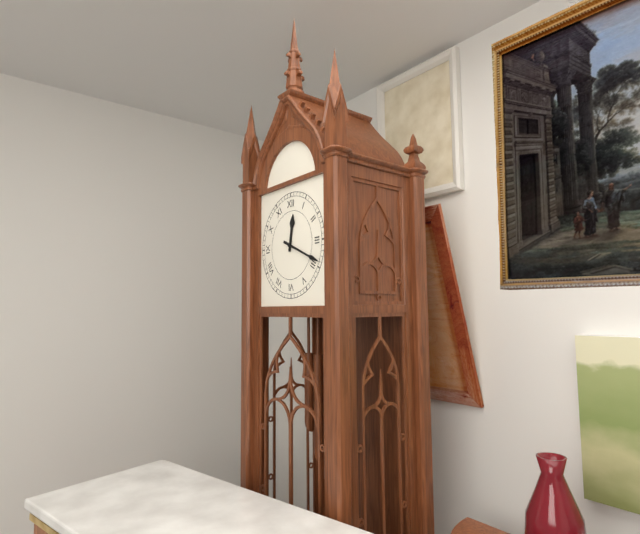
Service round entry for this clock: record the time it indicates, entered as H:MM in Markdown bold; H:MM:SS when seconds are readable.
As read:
**12:19**
